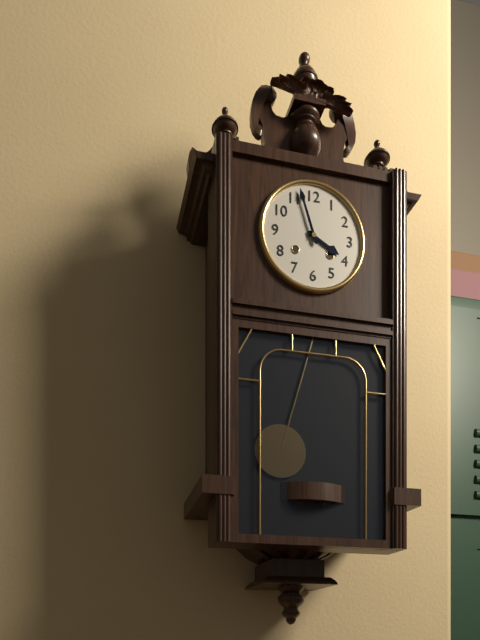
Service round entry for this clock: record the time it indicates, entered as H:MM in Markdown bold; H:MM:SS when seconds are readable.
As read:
**3:57**
